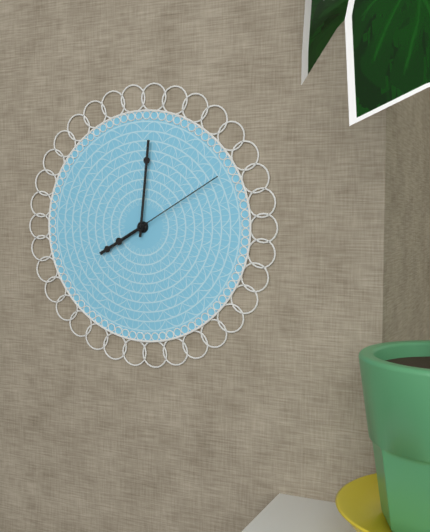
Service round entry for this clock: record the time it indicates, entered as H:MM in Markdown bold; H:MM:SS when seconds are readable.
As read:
**8:01:10**
